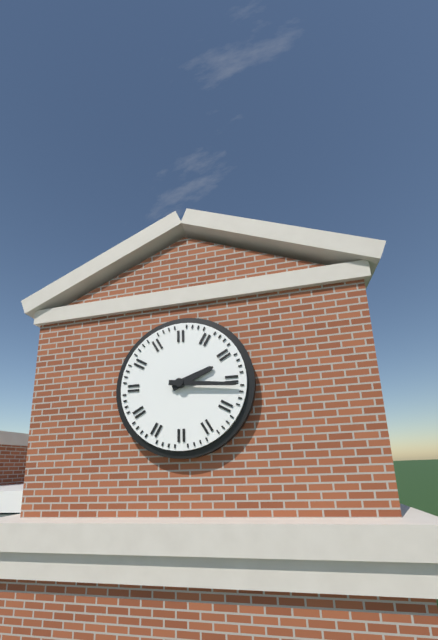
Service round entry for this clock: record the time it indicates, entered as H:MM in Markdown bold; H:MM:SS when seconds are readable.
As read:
**2:16**
